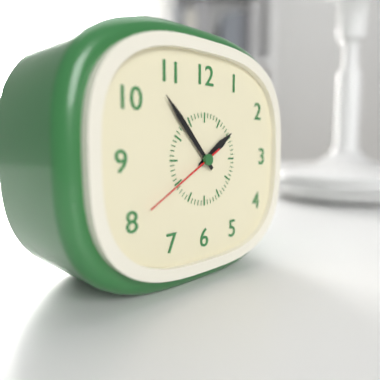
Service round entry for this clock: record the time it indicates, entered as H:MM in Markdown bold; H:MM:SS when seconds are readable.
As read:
**1:53:40**
